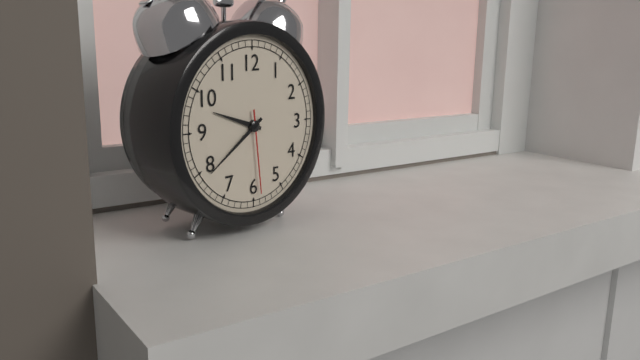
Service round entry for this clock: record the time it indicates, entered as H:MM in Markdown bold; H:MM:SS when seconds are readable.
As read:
**9:39:29**
